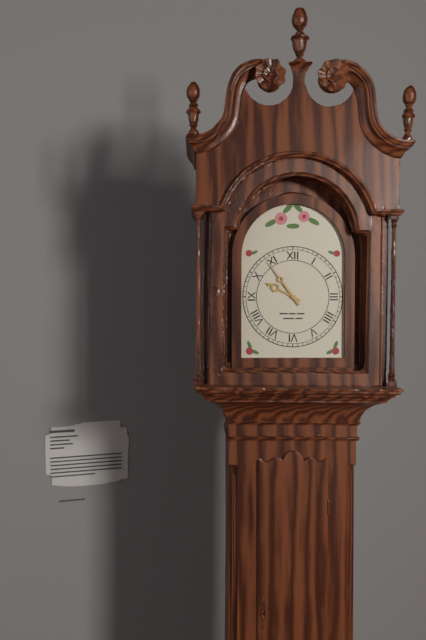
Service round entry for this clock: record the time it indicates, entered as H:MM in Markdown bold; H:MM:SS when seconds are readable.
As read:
**9:54**
